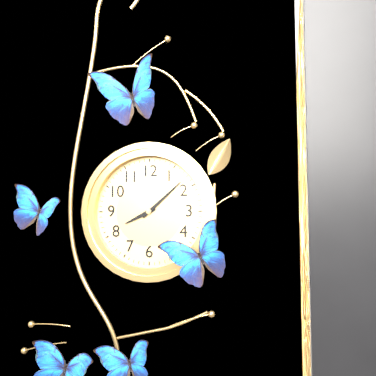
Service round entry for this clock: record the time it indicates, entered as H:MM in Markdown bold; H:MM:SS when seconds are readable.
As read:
**8:08**
